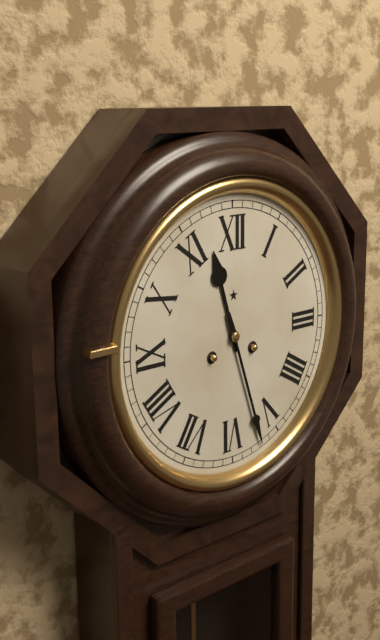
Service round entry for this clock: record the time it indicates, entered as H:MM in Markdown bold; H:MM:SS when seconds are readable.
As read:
**11:27**
